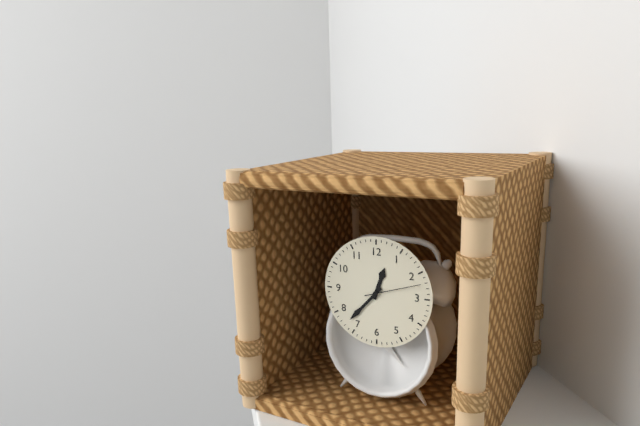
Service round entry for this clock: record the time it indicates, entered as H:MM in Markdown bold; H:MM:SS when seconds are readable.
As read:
**12:37:12**
